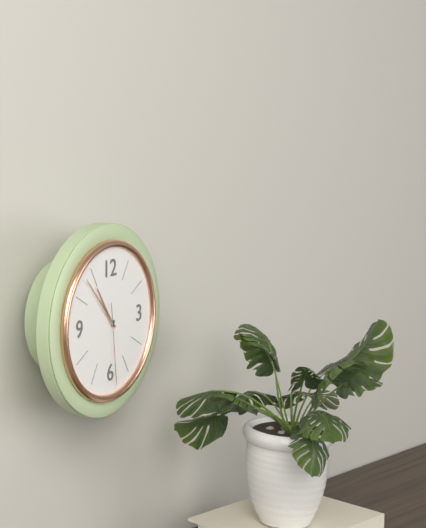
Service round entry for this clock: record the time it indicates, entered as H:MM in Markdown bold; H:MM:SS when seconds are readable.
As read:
**10:53:29**
